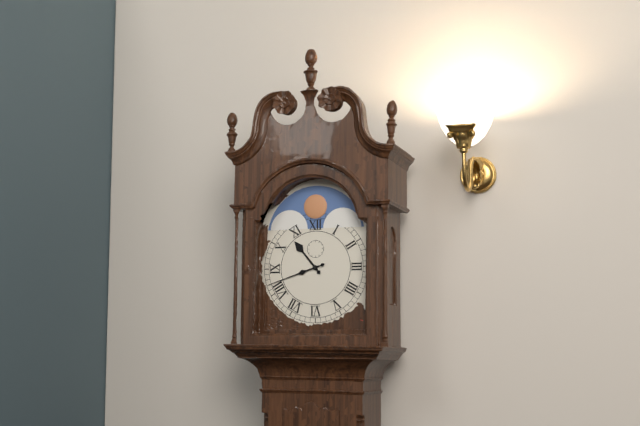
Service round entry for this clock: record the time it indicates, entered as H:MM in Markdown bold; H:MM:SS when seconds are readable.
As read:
**10:42**
